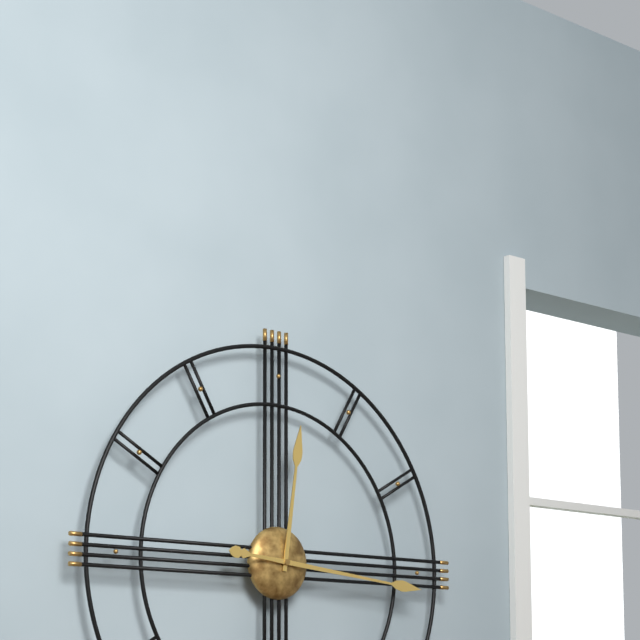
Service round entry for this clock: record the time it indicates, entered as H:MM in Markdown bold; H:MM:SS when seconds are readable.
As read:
**12:16**
